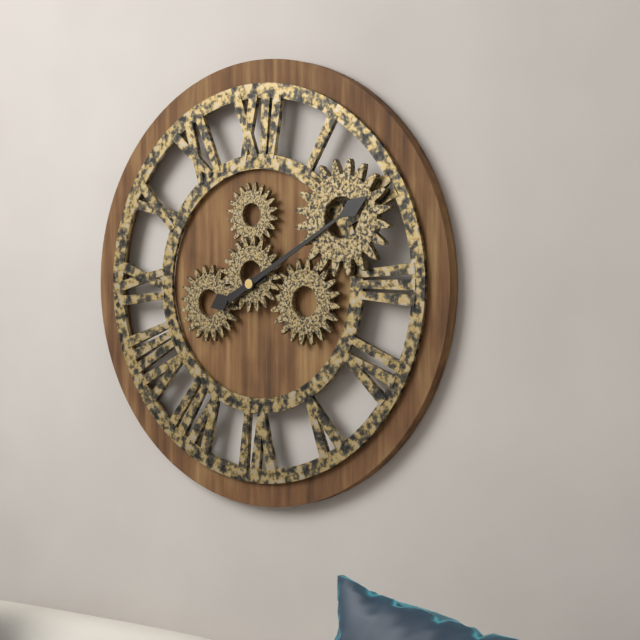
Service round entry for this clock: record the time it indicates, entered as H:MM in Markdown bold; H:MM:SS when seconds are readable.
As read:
**8:10**
